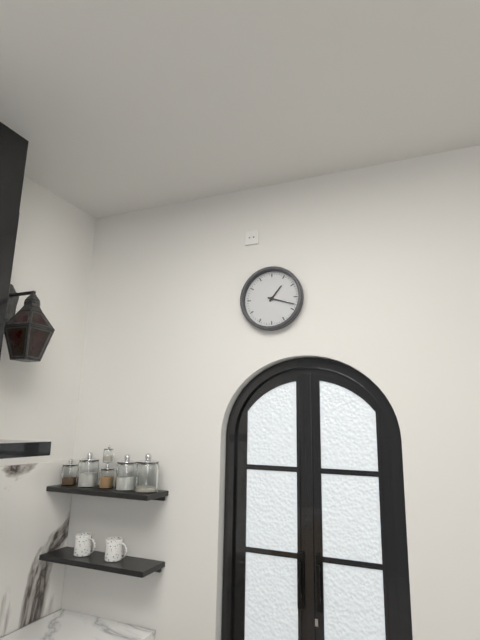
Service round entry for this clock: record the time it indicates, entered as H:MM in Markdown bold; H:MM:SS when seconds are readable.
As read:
**1:18**
